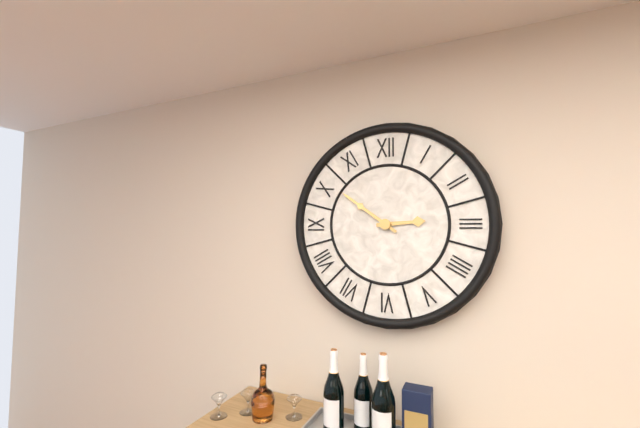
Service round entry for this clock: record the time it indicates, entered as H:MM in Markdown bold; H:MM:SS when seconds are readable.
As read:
**2:51**
